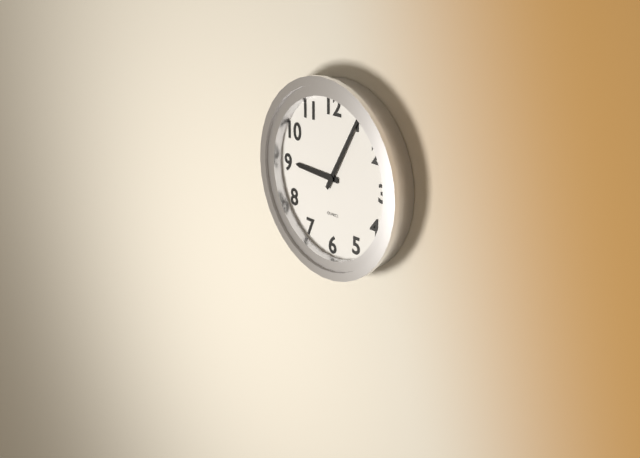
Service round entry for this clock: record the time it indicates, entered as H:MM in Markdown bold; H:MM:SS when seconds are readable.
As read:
**9:05**
